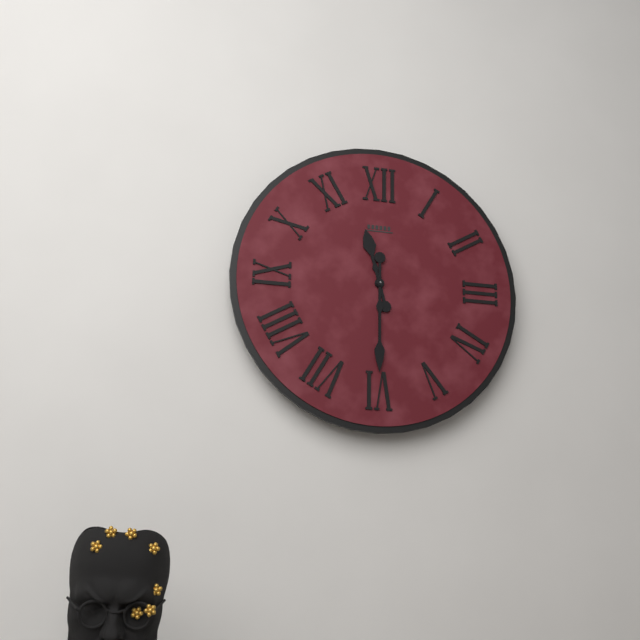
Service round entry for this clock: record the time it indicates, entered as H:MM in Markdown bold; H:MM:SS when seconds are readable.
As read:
**11:30**
